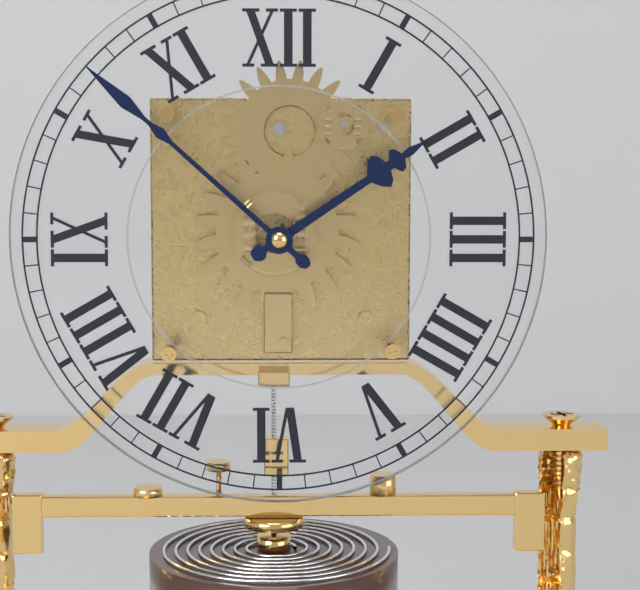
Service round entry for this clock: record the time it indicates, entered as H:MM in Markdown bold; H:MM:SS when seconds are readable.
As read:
**1:52**
